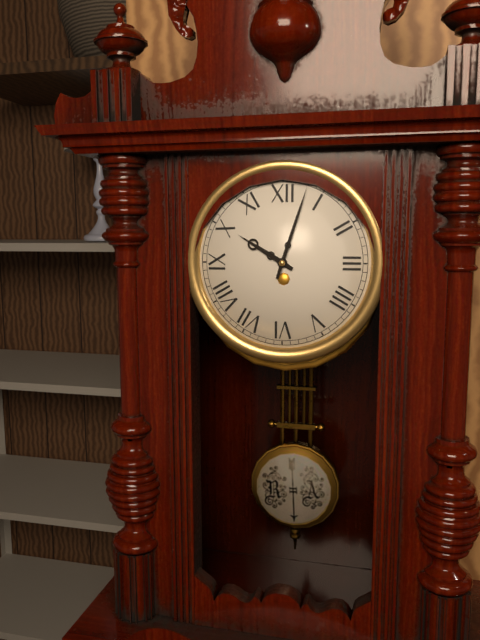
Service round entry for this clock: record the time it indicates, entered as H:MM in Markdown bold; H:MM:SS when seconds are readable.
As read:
**10:03**
